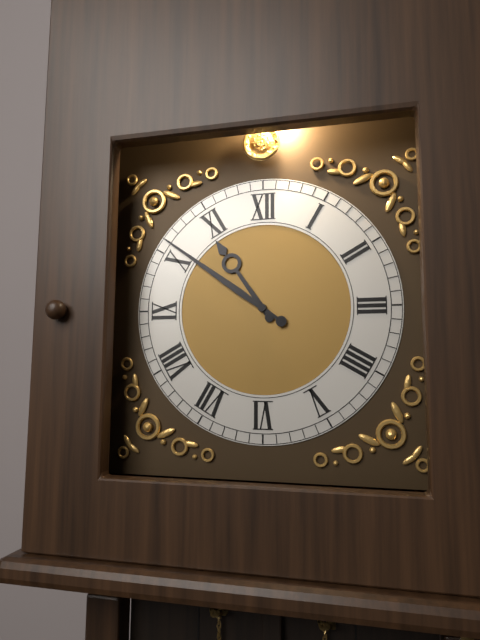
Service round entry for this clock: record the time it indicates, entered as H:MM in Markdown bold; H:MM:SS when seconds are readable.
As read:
**10:51**
